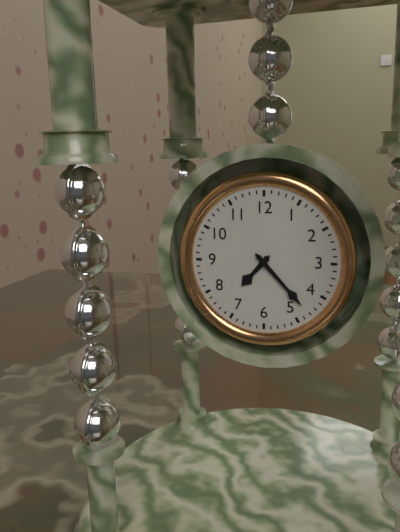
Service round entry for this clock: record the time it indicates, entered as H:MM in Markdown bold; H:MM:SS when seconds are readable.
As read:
**7:23**
